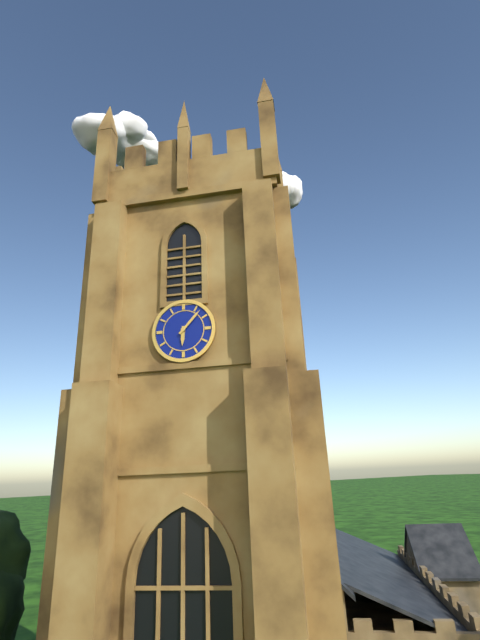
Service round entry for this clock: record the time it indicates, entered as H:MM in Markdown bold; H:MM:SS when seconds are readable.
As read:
**6:07**
